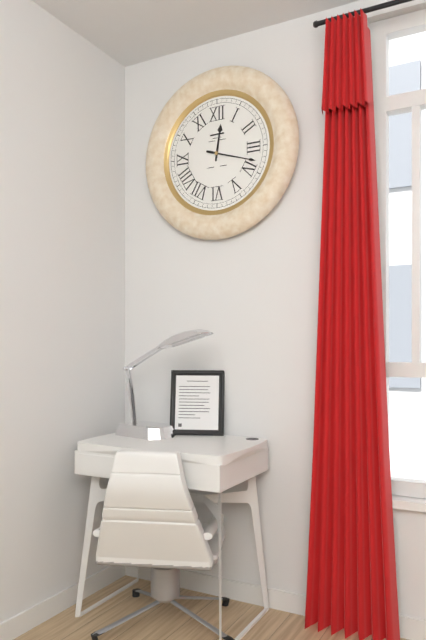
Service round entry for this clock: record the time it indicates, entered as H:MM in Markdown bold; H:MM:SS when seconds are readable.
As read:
**12:18**
